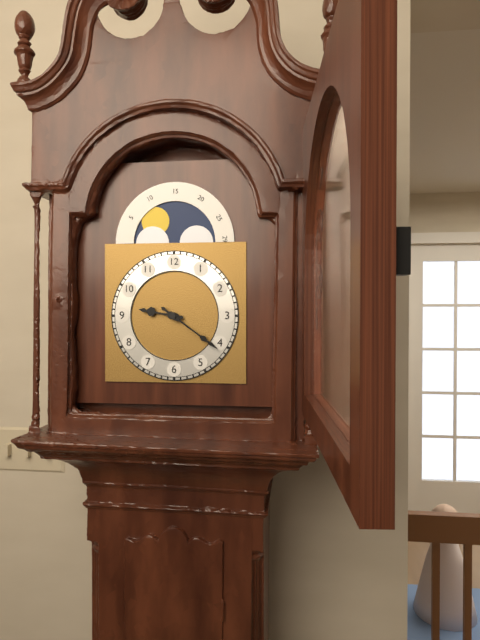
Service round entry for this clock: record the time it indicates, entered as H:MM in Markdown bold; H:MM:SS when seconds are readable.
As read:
**9:21**
